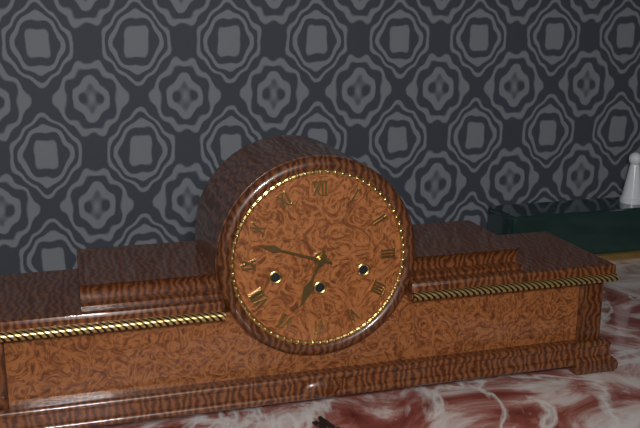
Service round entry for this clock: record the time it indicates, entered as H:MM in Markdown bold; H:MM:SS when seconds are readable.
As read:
**6:48**
